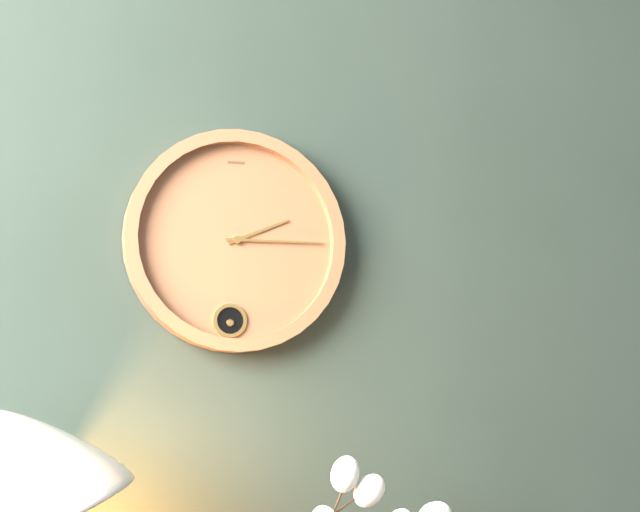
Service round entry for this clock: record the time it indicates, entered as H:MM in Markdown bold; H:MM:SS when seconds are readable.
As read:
**2:15**
